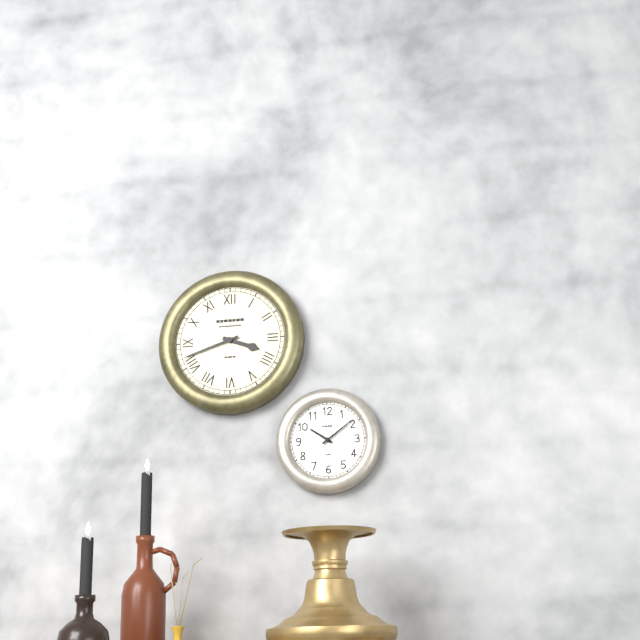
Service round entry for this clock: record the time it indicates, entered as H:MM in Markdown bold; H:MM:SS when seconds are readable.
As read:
**3:42**
